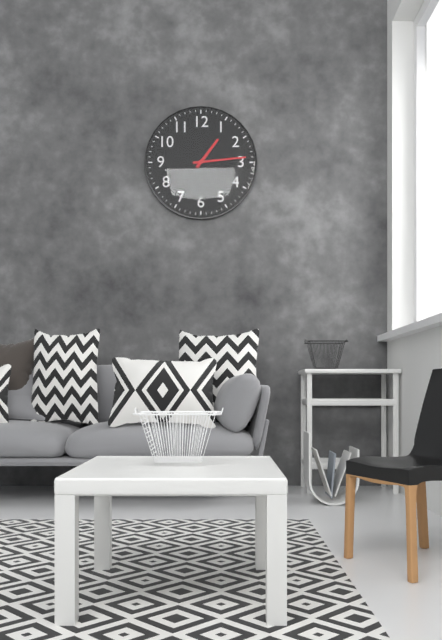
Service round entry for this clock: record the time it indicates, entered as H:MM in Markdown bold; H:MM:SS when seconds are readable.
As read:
**1:14**
